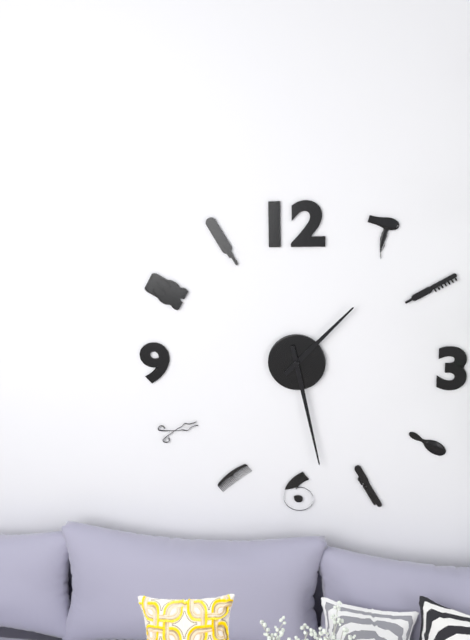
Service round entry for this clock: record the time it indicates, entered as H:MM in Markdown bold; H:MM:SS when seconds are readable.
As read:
**1:28**
